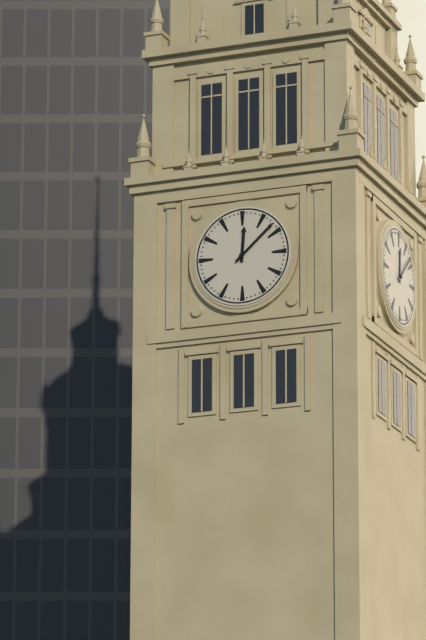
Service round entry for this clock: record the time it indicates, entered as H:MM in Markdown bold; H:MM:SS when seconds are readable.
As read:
**12:08**
